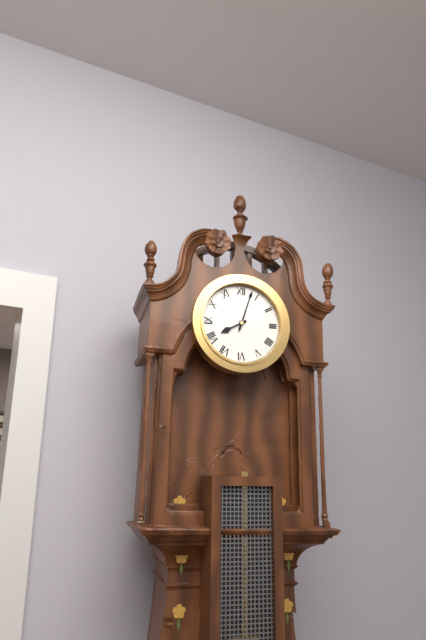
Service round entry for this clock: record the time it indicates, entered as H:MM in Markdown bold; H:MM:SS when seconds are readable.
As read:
**8:03**
